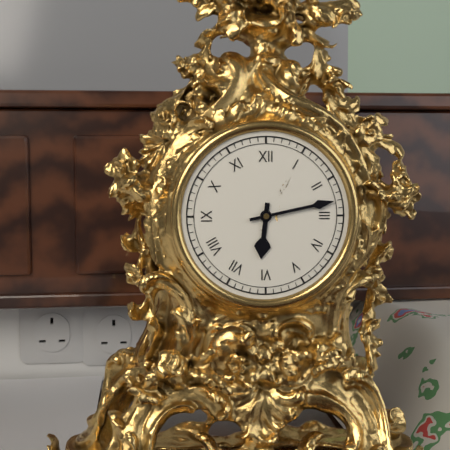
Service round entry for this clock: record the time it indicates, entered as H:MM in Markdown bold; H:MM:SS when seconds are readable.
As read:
**6:13**
